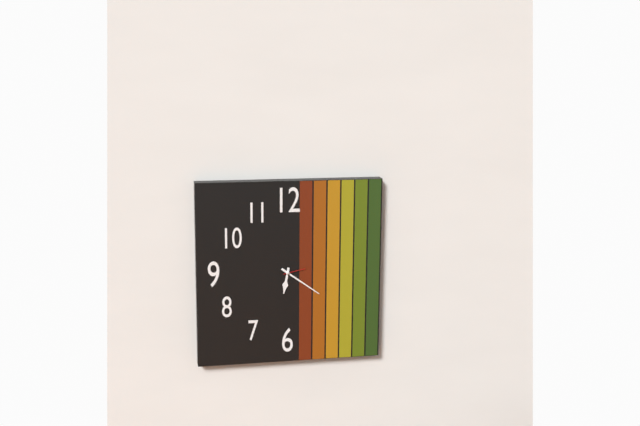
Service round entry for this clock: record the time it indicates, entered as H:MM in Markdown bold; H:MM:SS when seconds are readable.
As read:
**6:21**
